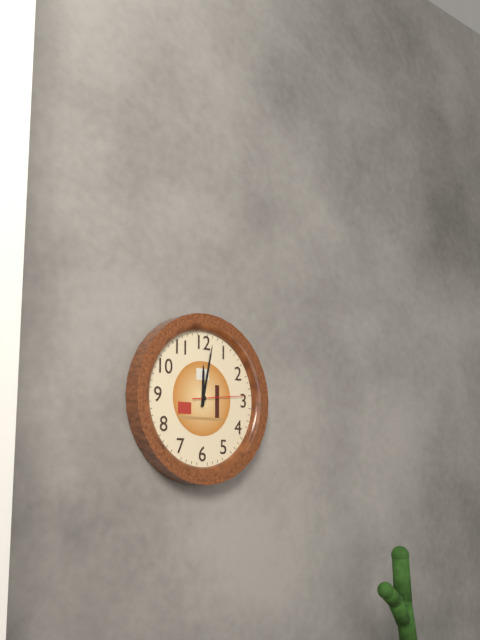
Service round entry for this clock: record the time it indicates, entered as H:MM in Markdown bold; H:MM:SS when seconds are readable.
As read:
**12:02:14**
